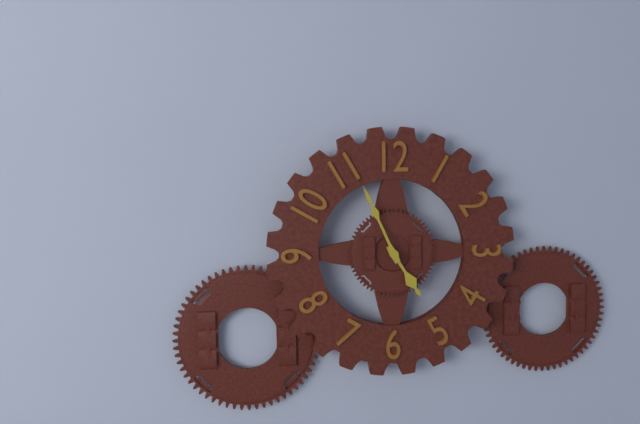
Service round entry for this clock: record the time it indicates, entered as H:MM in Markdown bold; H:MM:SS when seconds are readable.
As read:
**4:56**
